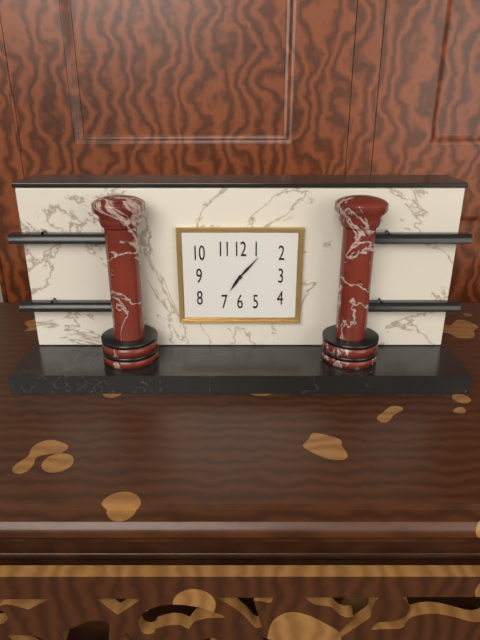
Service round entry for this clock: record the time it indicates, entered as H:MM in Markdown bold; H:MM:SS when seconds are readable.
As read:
**7:07**
